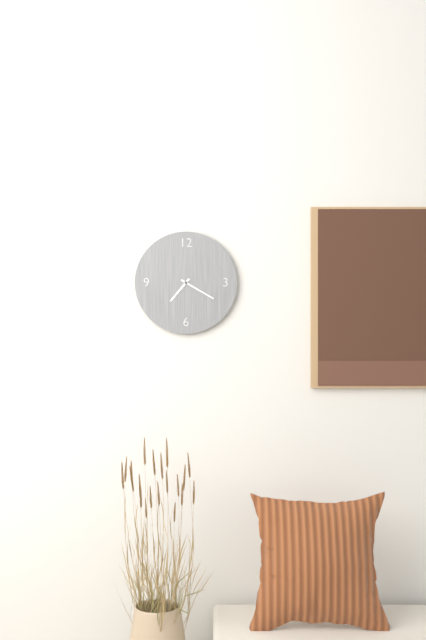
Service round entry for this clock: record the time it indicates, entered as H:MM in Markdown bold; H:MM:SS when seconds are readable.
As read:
**7:20**
